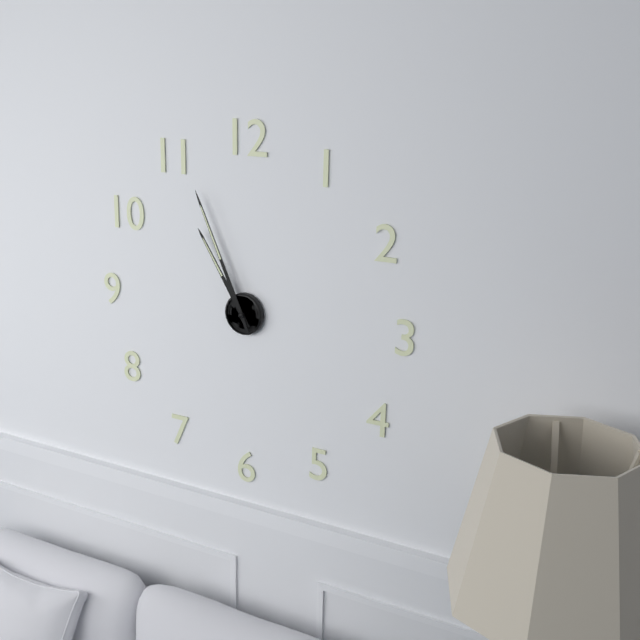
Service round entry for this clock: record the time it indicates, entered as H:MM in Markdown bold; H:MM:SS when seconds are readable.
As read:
**10:56**
